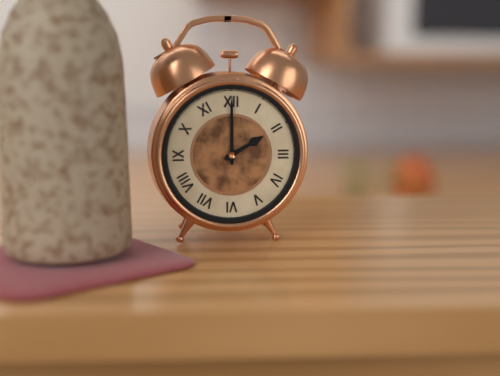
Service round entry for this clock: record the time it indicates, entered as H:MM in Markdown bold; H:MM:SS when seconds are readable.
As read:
**2:00**
